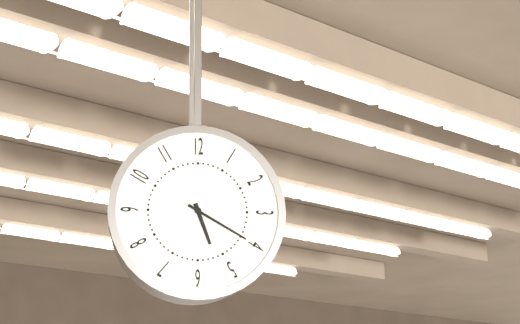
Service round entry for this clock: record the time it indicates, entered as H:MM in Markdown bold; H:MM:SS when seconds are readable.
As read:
**5:20**
